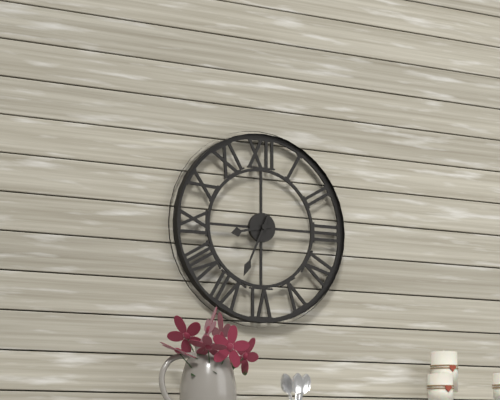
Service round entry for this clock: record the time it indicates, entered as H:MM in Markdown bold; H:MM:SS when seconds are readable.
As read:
**8:34**
